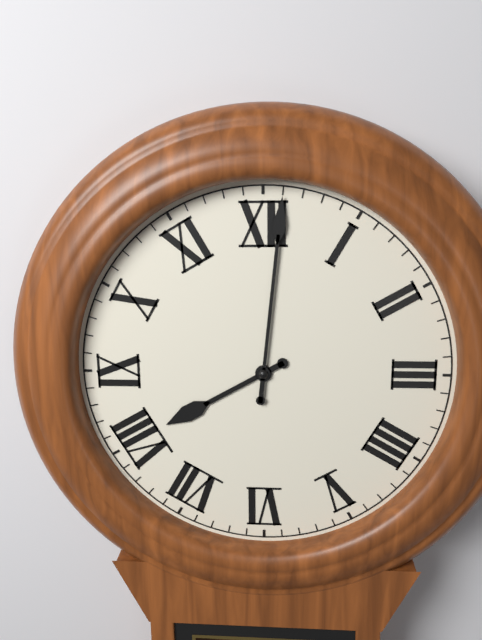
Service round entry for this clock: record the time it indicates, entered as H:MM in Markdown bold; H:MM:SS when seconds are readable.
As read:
**8:01**
